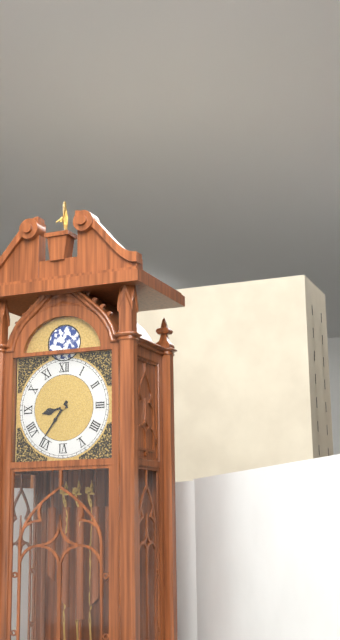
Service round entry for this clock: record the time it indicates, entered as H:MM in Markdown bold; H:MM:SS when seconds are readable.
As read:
**8:36**
